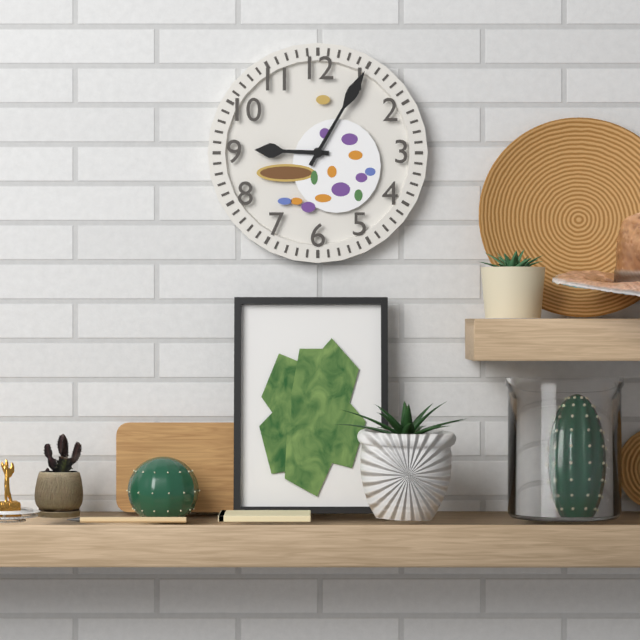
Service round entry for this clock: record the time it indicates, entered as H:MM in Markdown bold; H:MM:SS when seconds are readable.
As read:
**9:05**
